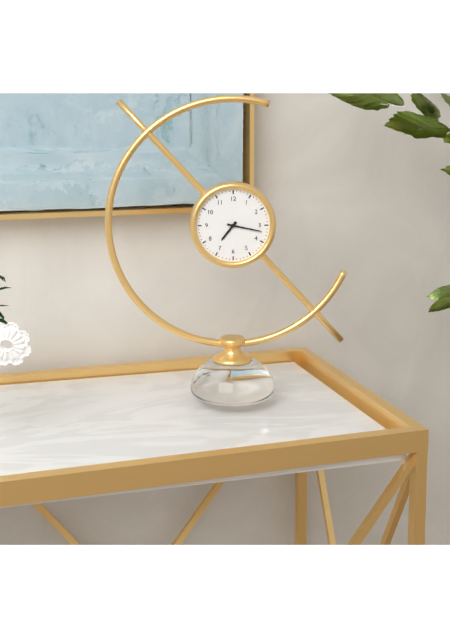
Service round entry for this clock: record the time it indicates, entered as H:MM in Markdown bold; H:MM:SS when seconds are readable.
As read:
**7:17**
